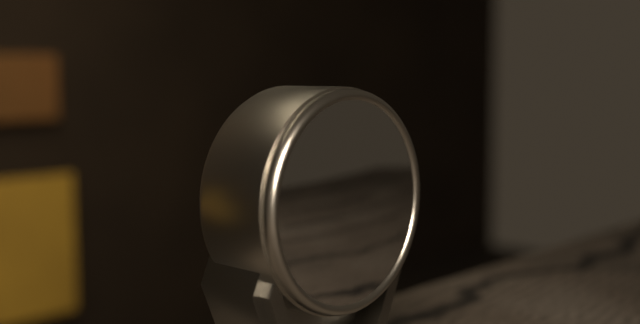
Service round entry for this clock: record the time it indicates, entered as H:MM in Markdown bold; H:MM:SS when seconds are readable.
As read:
**4:49**
